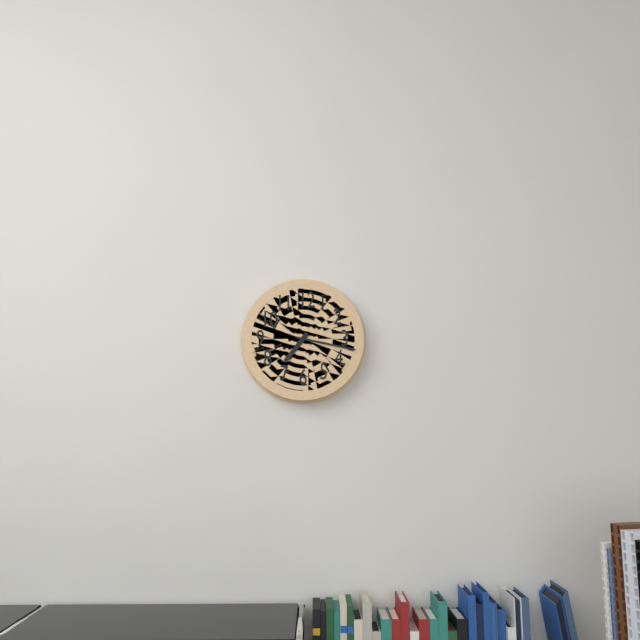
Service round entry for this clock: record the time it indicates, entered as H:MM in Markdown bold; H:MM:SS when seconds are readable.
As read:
**7:17**
